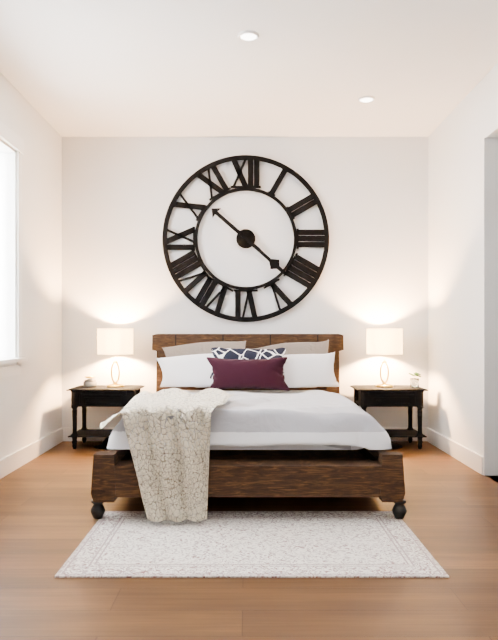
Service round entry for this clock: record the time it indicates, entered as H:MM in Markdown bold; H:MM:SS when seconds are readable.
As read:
**10:22**
